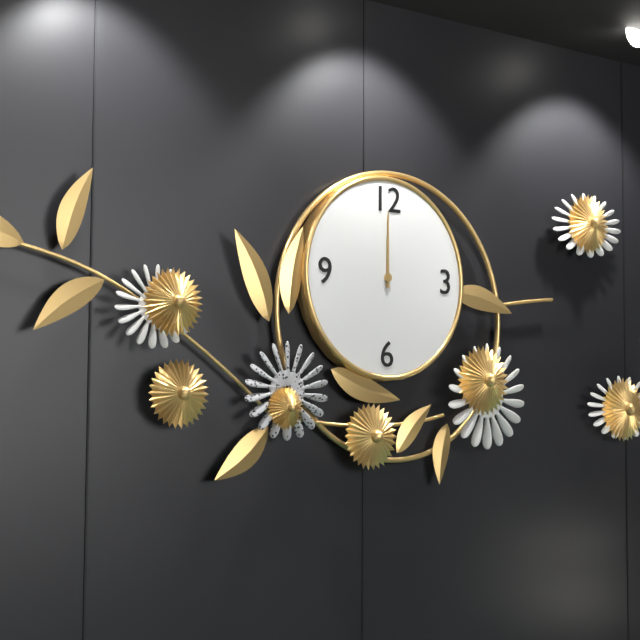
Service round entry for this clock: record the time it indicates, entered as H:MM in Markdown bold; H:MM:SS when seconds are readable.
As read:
**12:00**
